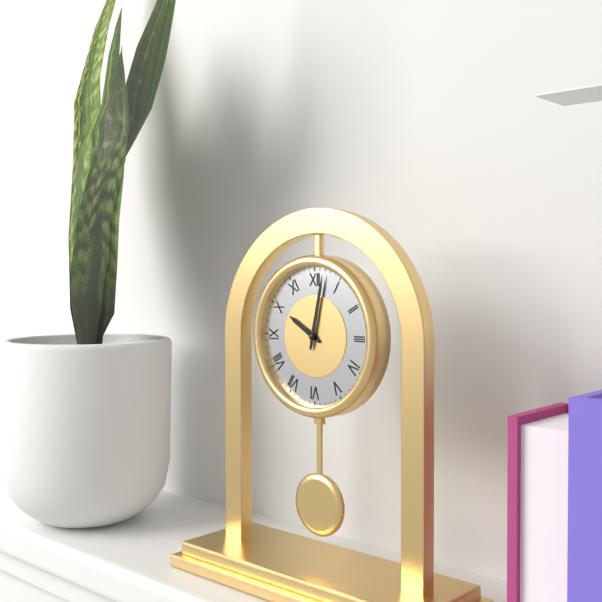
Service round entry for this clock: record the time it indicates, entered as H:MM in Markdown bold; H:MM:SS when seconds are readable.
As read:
**10:02**
